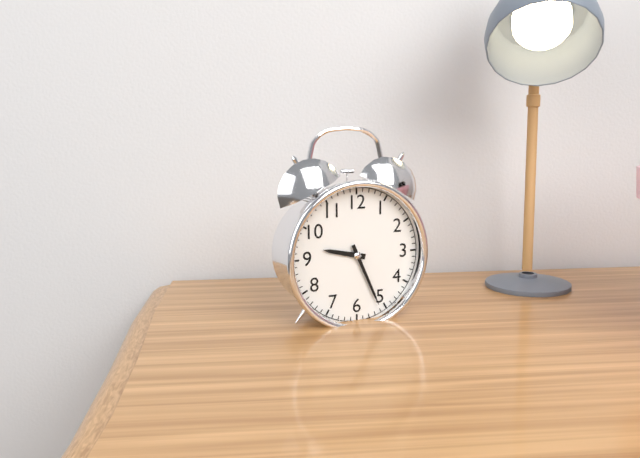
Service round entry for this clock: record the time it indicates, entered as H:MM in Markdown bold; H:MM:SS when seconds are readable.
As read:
**9:26**
